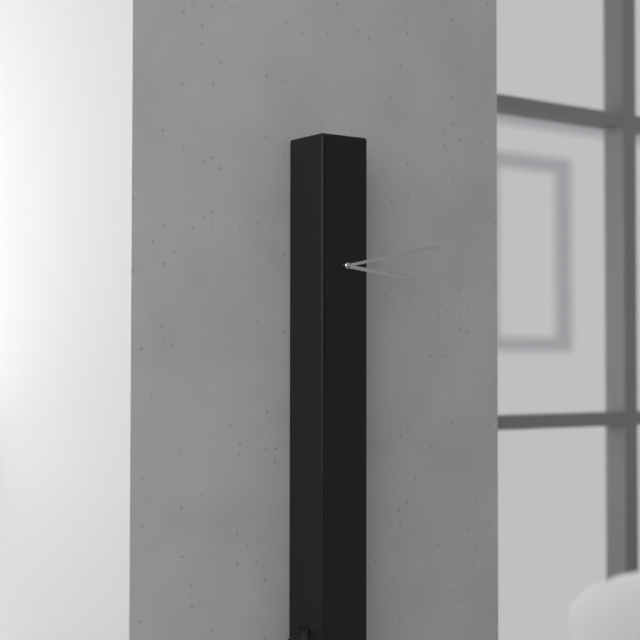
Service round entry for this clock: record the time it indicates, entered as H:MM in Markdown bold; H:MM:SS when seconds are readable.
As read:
**3:13**
